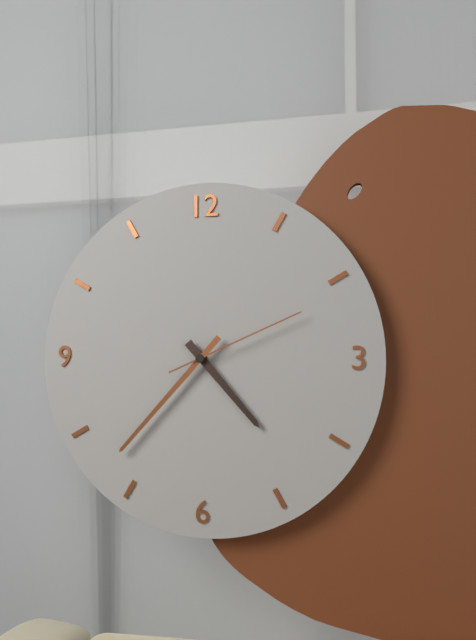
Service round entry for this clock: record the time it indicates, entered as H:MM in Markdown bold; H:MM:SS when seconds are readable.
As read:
**4:37:11**
